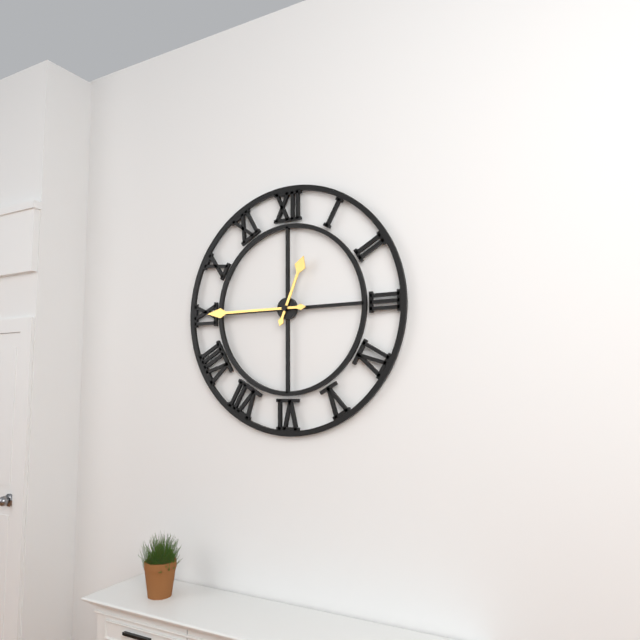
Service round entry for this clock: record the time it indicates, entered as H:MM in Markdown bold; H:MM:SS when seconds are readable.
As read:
**12:45**
